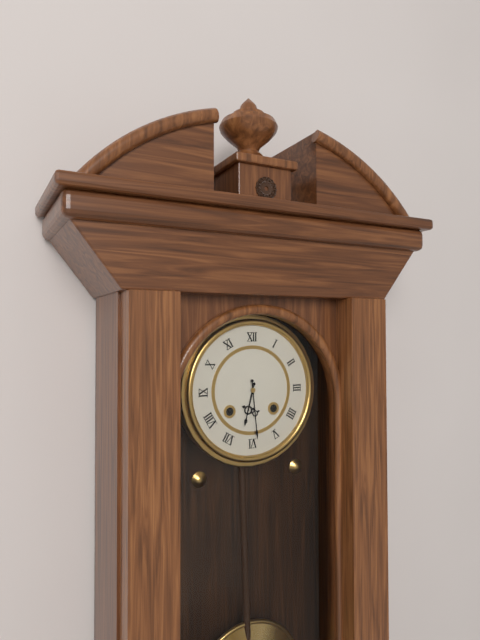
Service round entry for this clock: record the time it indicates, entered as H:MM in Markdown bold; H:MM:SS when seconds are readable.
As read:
**6:29**
